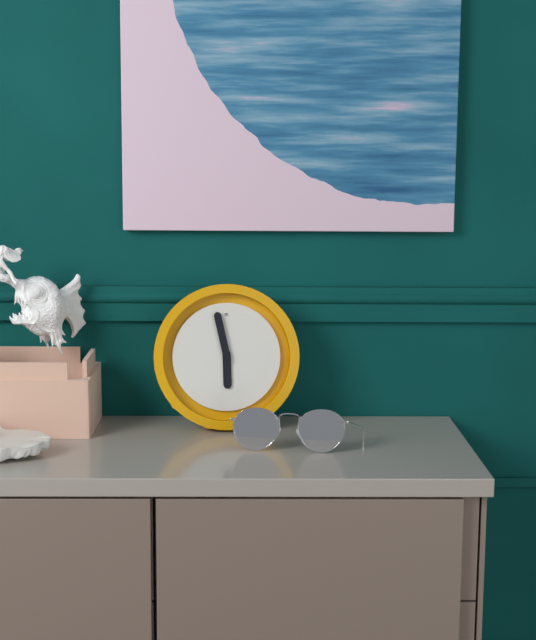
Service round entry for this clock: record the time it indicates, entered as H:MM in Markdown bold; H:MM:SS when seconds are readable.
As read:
**5:58**
